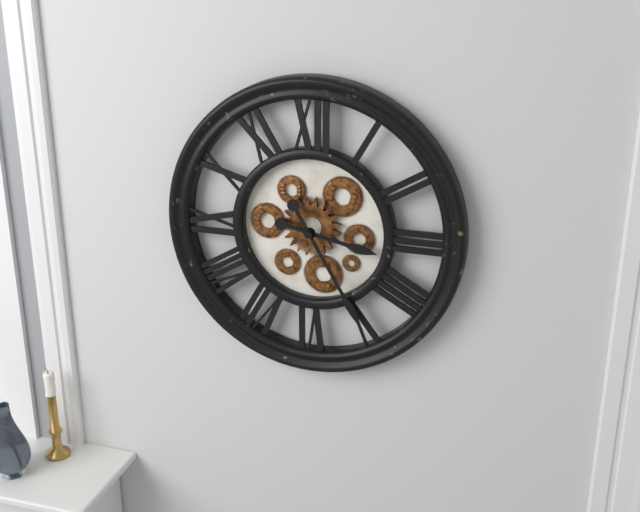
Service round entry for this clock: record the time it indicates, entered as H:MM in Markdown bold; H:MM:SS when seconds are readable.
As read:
**3:25**
